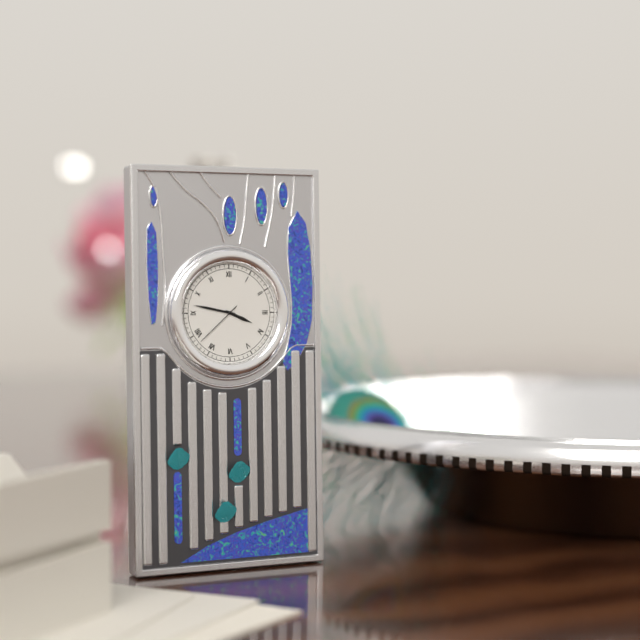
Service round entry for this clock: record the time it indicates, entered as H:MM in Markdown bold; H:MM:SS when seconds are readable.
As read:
**3:47**
